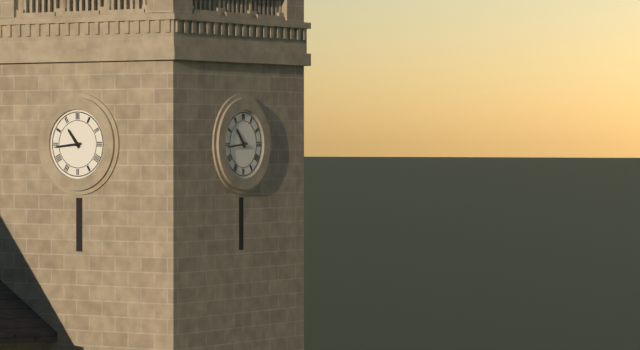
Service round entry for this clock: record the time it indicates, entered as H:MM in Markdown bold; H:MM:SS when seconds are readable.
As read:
**10:44**
